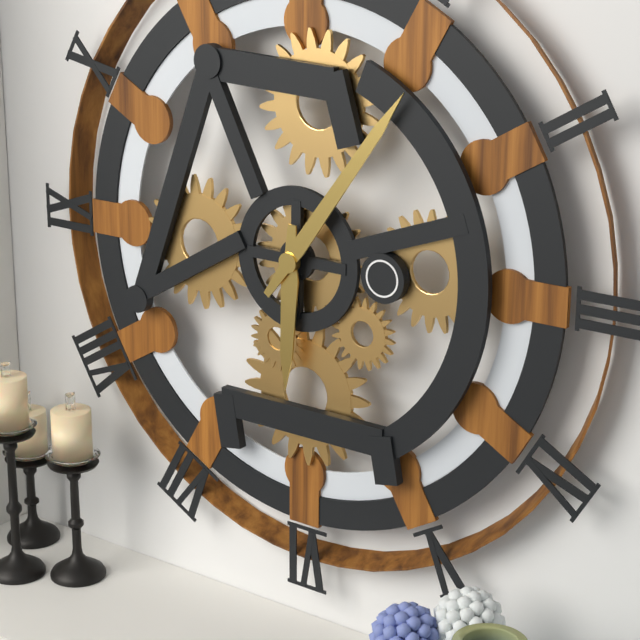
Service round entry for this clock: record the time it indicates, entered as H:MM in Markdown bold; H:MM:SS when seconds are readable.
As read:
**6:06**
